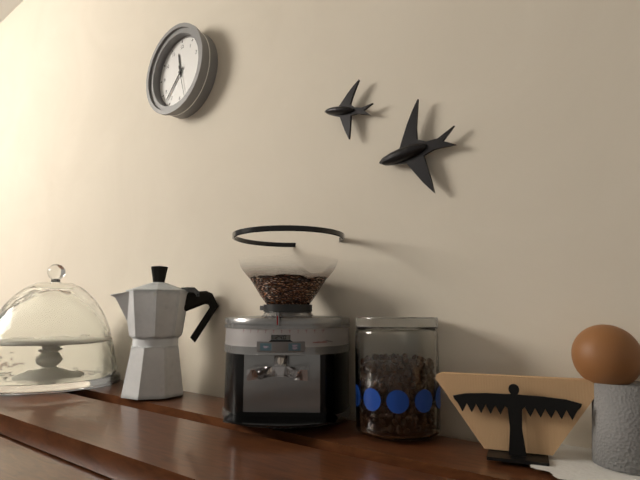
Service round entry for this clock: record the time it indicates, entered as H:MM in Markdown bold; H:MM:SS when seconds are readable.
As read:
**11:37**
